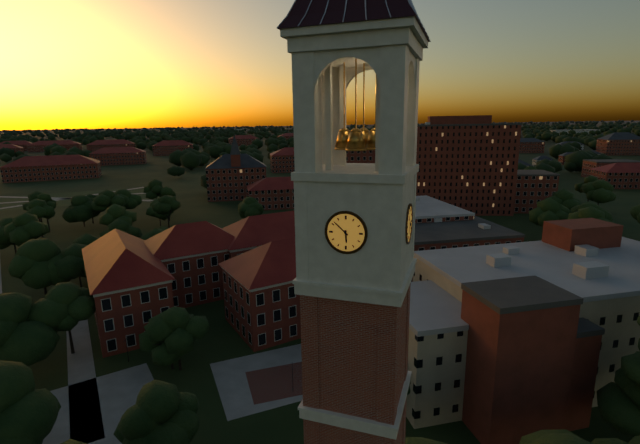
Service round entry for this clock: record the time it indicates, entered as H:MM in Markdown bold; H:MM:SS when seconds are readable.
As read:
**5:52**
